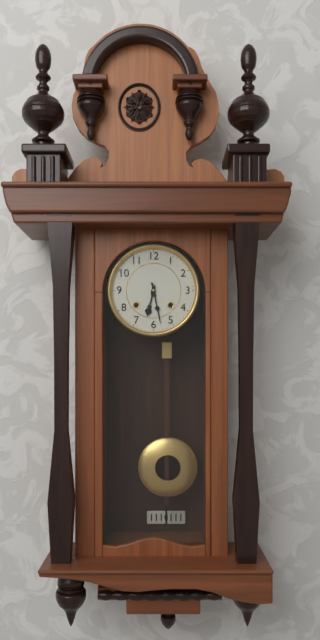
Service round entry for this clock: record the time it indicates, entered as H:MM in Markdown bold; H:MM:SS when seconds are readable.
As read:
**6:28**
